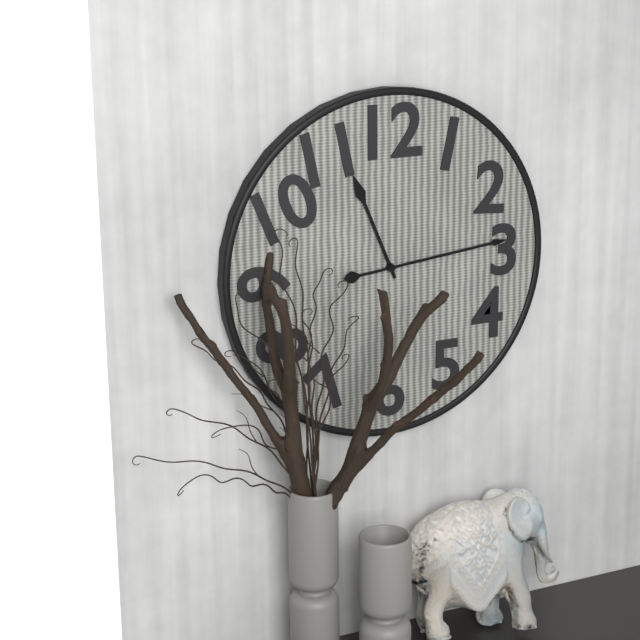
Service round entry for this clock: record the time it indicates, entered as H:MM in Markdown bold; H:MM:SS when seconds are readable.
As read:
**11:14**
